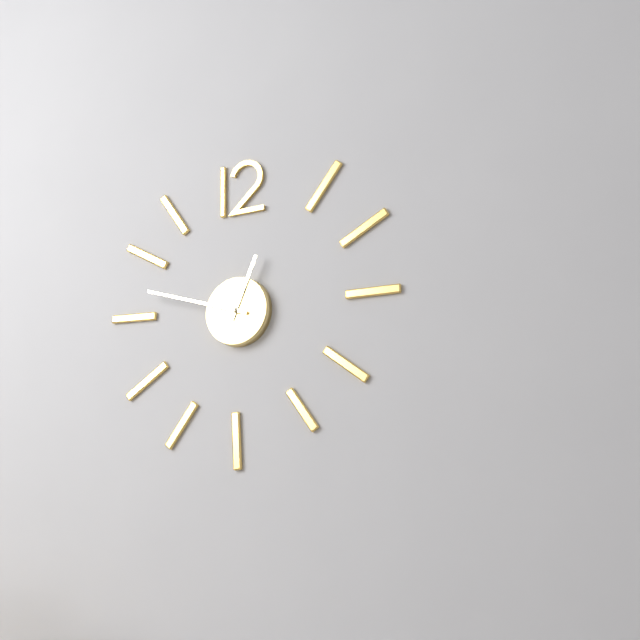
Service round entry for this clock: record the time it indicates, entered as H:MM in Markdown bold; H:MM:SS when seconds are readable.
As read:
**12:48**
